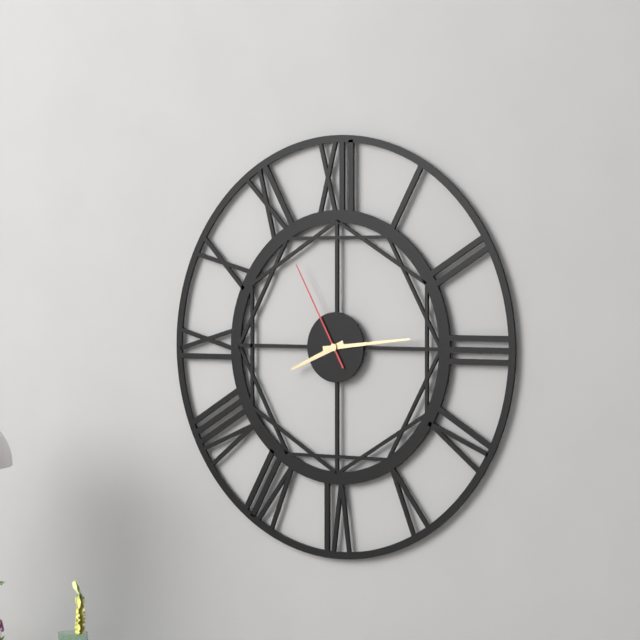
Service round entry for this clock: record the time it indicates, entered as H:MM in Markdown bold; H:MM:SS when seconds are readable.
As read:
**8:14:55**
